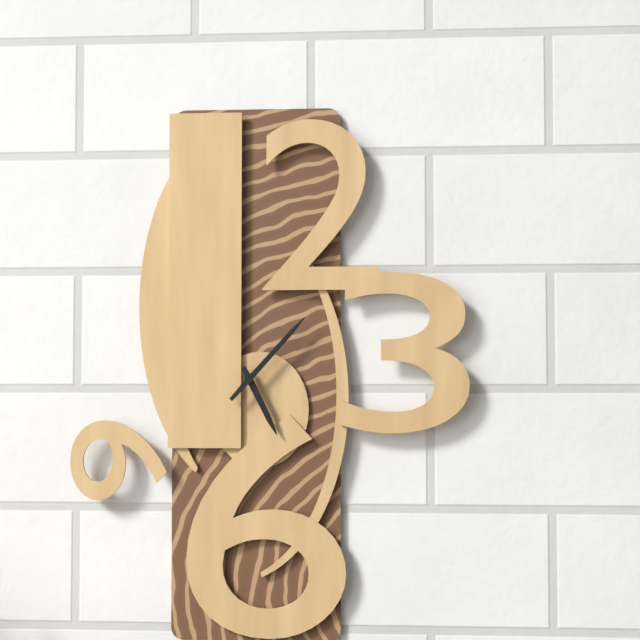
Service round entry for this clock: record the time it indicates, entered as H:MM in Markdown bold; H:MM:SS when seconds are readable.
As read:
**5:07**
